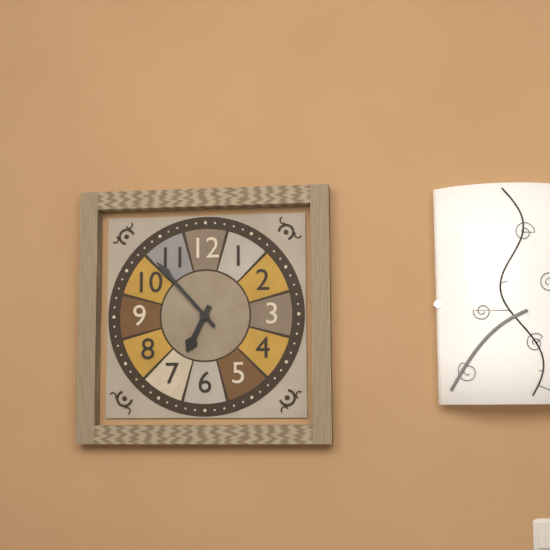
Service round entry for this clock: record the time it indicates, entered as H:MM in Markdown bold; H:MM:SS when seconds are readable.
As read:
**6:53**
